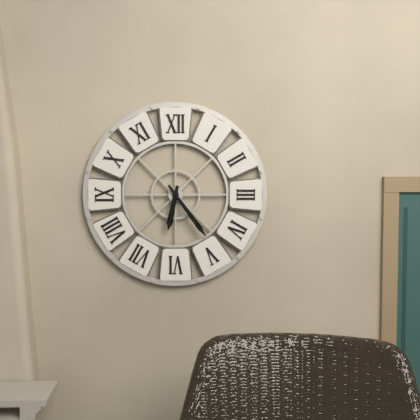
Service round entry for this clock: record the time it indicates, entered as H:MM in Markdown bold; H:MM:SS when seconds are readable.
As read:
**6:24**
